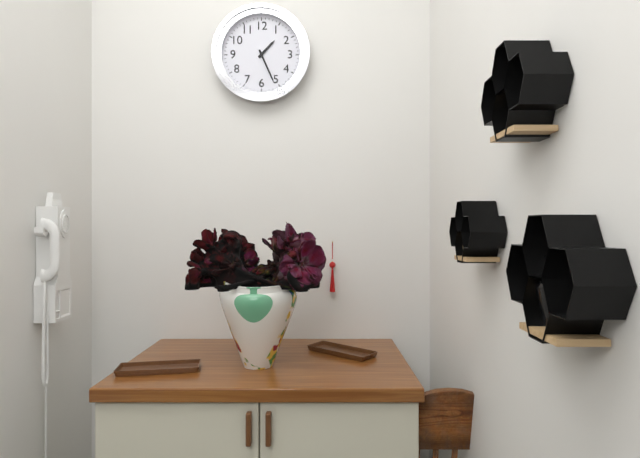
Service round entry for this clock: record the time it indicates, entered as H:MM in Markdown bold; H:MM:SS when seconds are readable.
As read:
**1:26**
